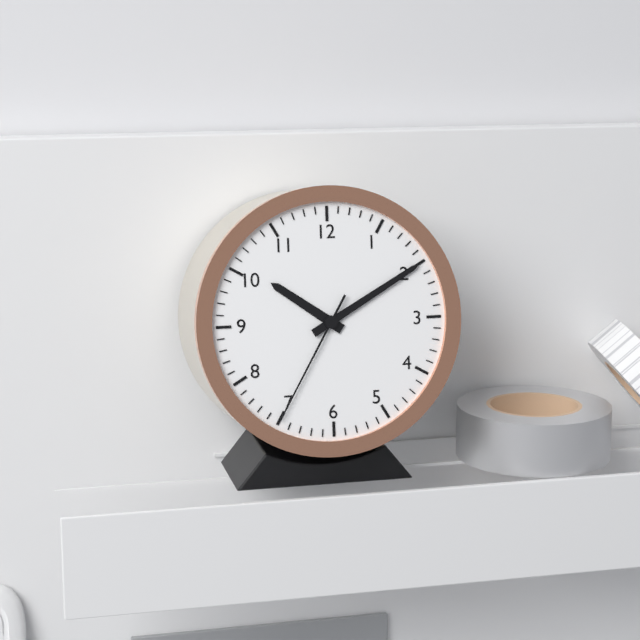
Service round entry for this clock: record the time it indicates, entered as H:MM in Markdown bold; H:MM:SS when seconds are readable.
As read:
**10:10:35**
